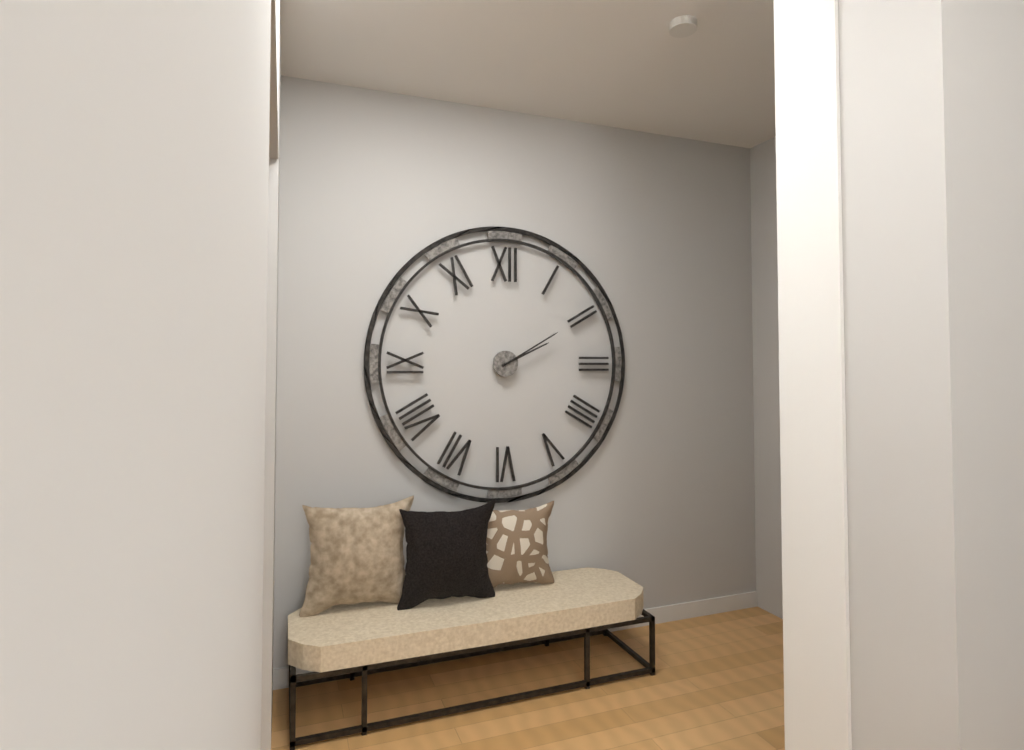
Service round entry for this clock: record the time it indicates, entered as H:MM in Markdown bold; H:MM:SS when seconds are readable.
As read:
**2:10**
